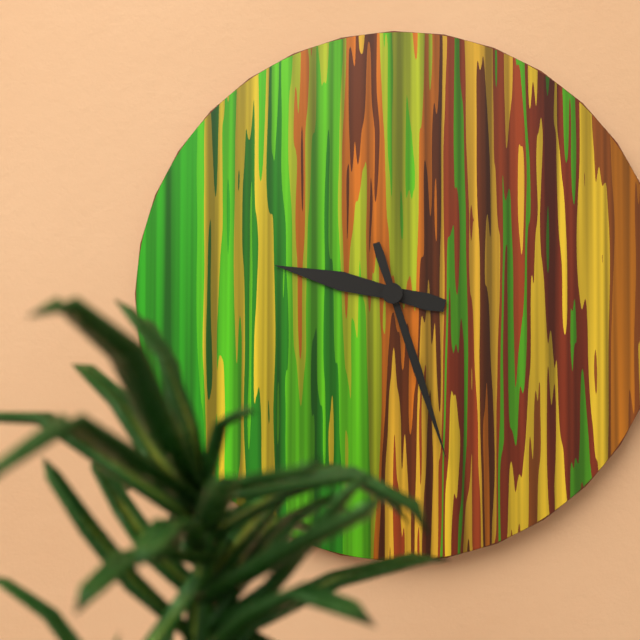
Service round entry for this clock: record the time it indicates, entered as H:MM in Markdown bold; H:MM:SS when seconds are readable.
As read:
**9:27**
